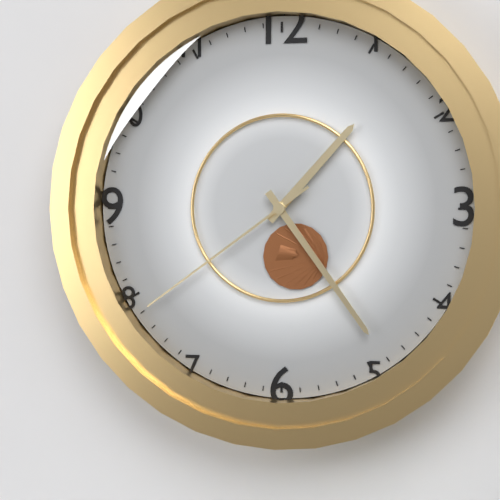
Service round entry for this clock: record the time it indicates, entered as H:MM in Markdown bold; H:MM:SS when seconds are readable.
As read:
**1:24:39**
